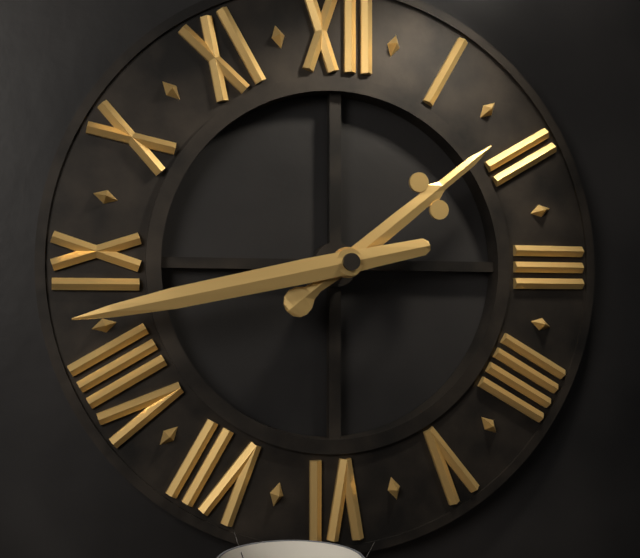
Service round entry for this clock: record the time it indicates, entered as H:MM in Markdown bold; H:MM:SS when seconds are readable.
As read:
**1:43**
